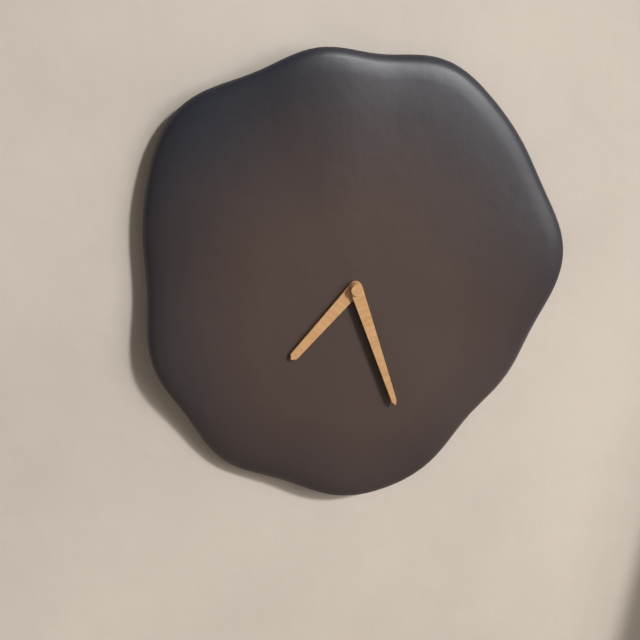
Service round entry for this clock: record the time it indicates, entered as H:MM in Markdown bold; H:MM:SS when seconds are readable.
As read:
**7:27**
